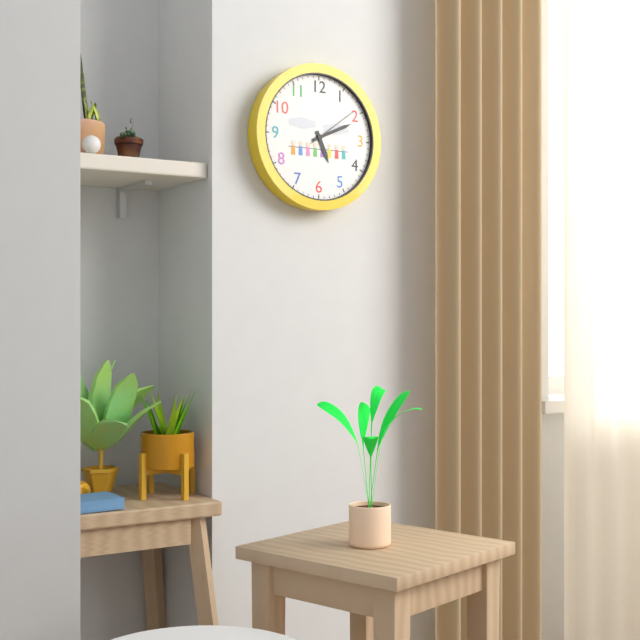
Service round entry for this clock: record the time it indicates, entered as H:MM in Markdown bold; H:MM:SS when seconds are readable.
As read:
**5:11:09**
